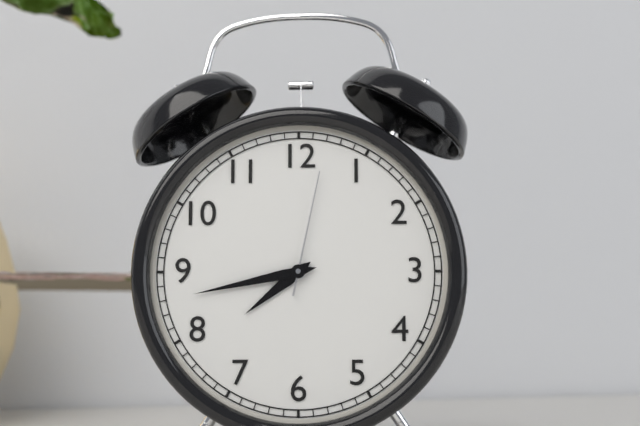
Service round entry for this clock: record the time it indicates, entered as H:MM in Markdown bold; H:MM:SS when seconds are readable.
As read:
**7:43:02**
